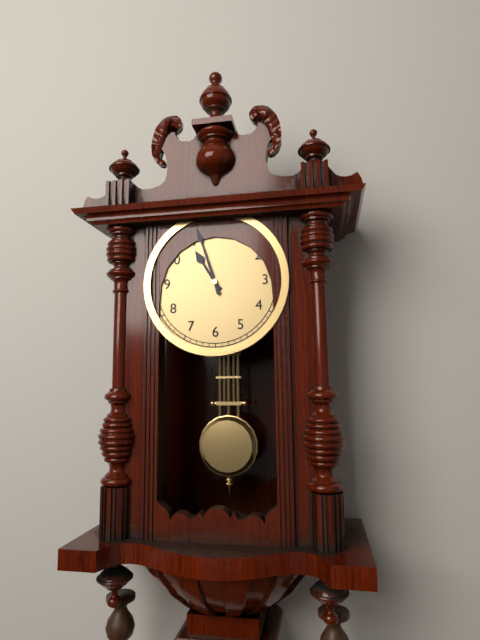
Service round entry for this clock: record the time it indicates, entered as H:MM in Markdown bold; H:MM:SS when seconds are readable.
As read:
**10:57**
